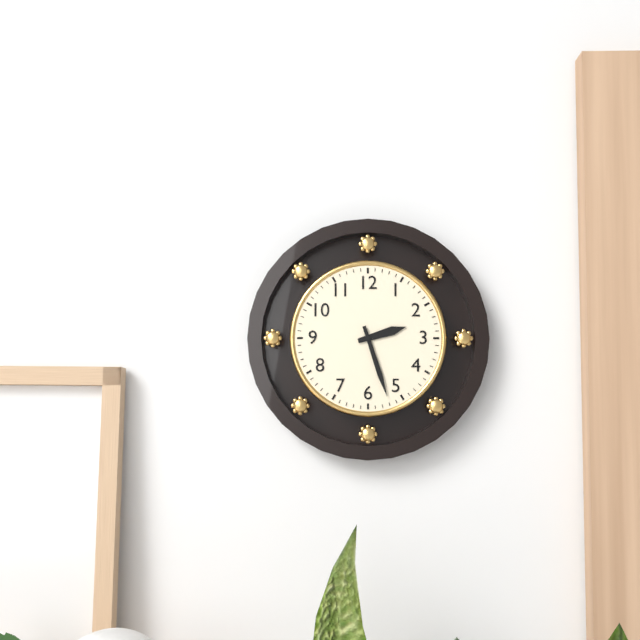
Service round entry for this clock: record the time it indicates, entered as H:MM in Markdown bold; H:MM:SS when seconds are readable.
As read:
**2:27**
